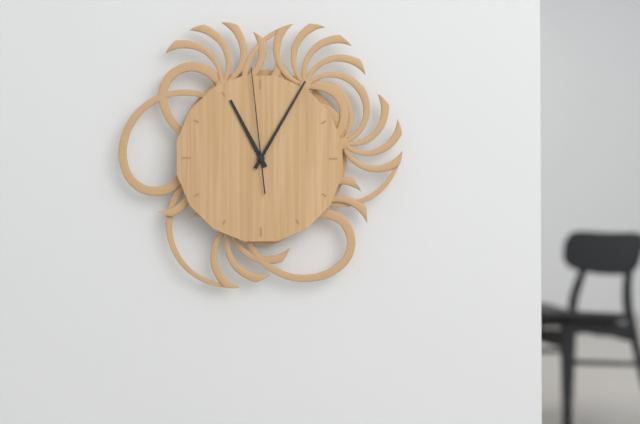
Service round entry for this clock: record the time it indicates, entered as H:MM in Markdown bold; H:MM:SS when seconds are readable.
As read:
**11:05:59**
